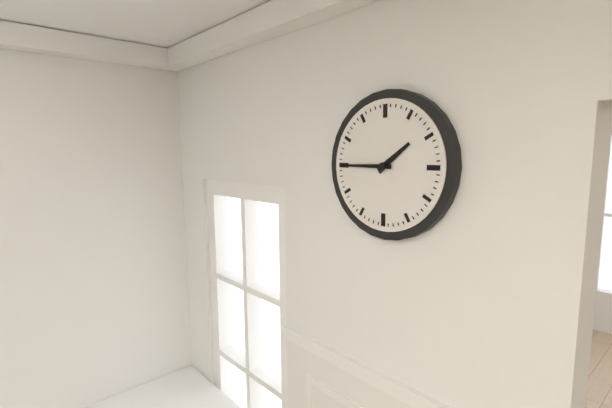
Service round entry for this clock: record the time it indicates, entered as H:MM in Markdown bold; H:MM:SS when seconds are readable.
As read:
**1:45**
